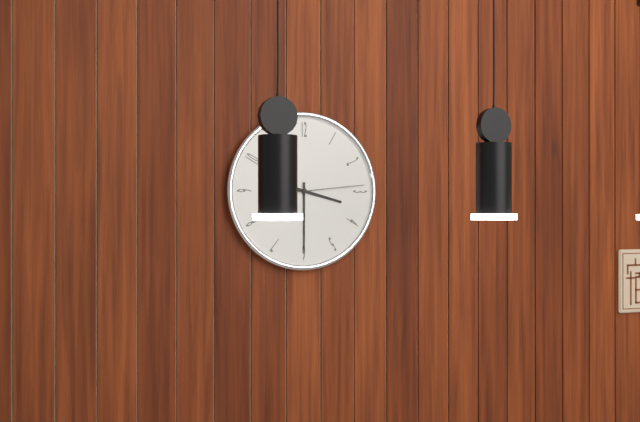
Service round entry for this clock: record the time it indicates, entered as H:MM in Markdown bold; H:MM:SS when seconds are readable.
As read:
**3:30:14**
